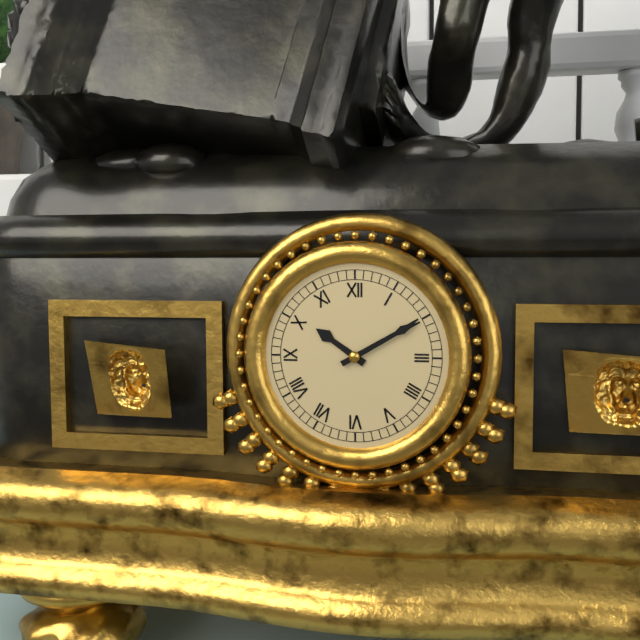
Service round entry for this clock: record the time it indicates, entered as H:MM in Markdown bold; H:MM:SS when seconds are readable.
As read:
**10:10**
